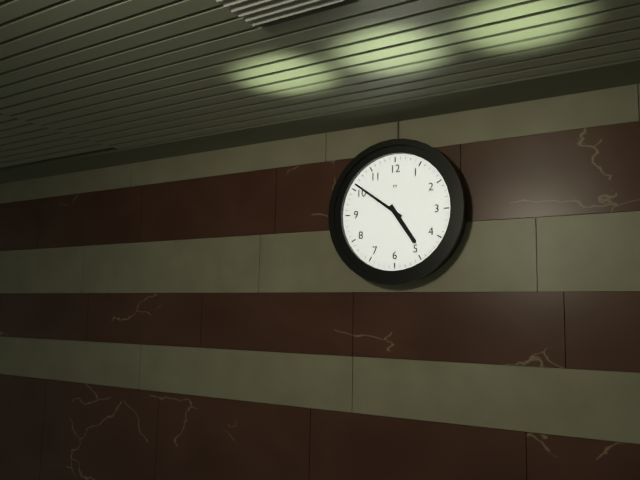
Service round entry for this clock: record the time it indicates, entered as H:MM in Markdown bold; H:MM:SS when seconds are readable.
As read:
**4:51**
